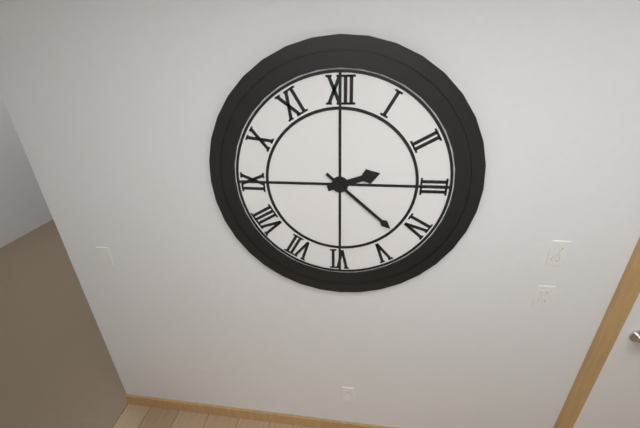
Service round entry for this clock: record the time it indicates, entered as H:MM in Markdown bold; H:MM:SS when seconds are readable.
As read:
**2:22**
